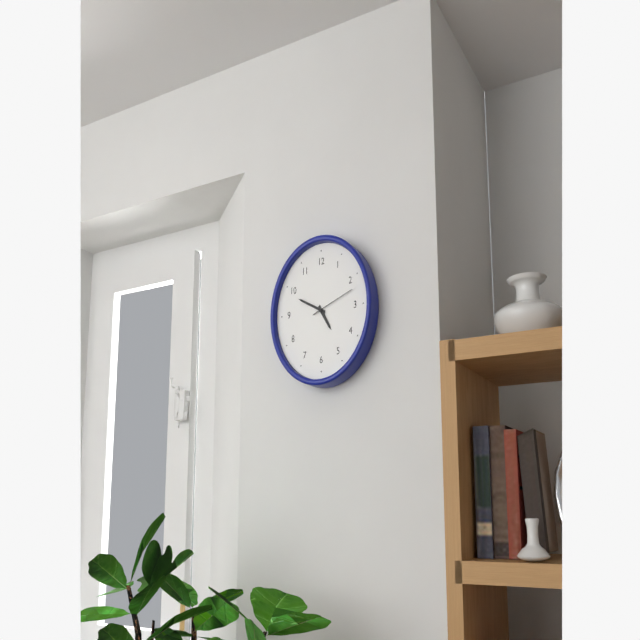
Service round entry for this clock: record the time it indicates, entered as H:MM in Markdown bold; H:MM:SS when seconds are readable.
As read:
**4:49**
